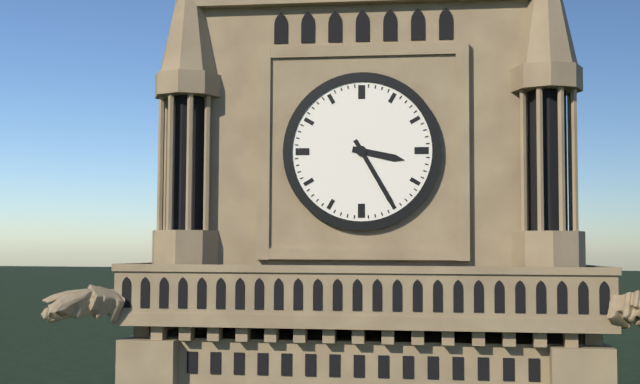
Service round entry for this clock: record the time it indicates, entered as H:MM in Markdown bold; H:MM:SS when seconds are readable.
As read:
**3:25**
